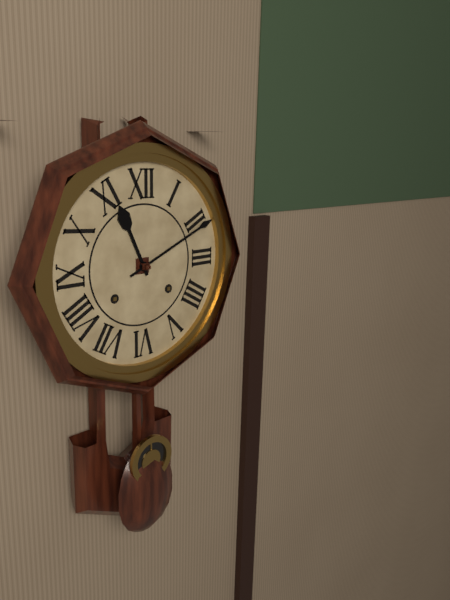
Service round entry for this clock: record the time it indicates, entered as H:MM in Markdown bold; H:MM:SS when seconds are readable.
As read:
**11:11**
